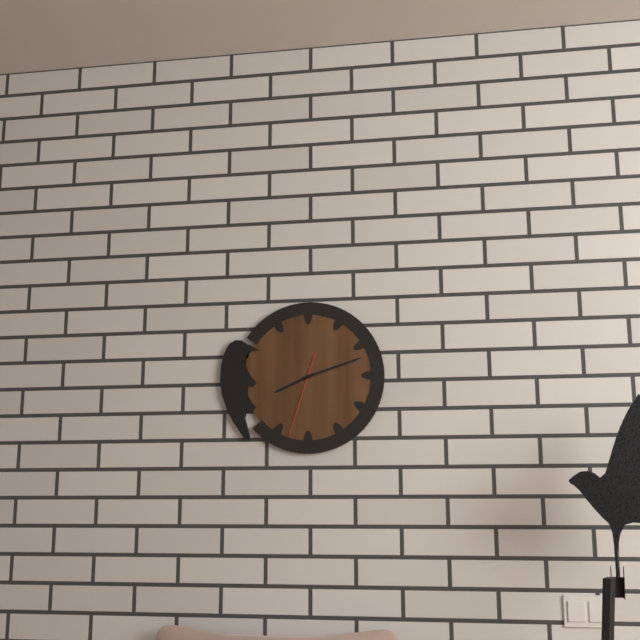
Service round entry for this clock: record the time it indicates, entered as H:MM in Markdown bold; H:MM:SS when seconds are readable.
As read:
**8:12:33**
